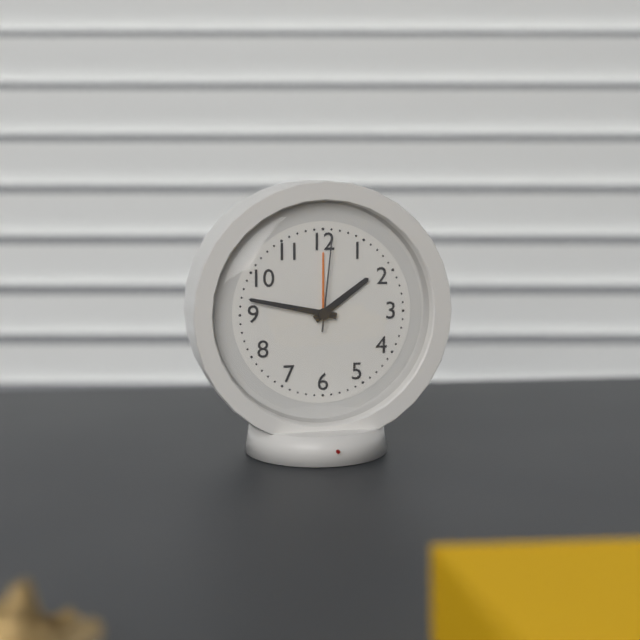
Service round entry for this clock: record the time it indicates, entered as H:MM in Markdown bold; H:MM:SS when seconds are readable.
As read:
**1:47:01**
